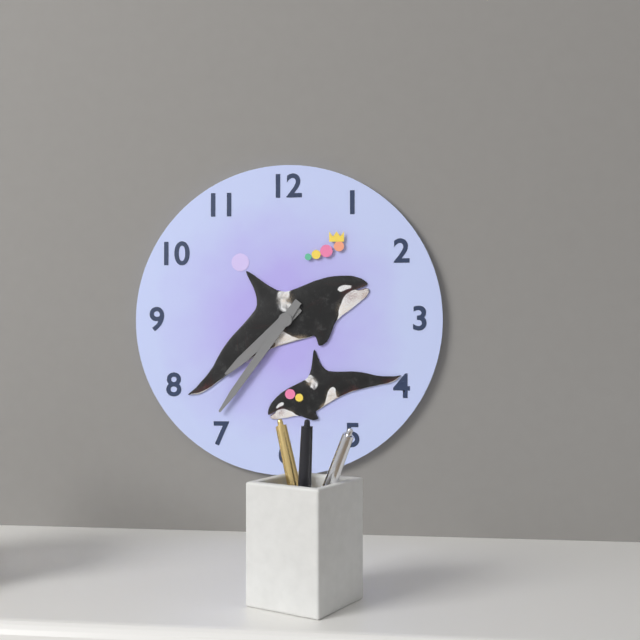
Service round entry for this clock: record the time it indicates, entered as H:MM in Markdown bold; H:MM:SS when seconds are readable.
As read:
**7:36**
